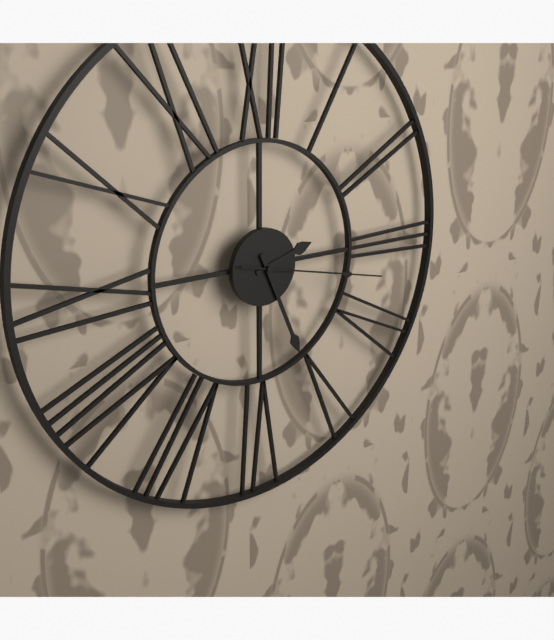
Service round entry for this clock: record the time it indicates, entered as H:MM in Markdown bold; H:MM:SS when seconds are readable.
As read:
**2:26:17**
